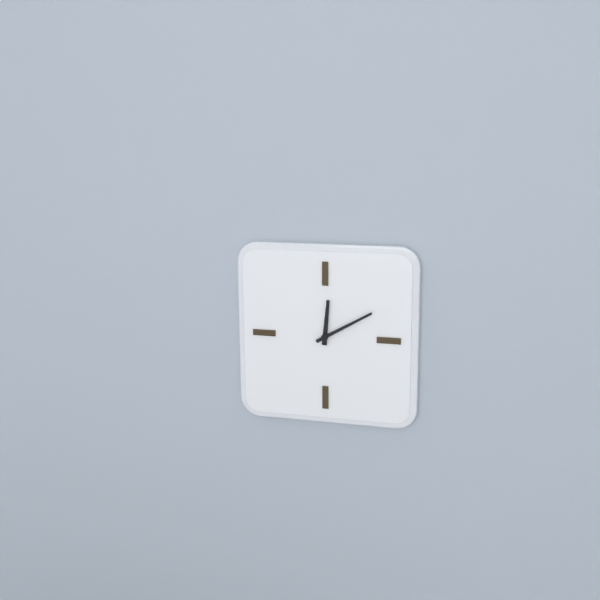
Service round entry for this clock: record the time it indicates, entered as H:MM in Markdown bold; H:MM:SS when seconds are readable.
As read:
**12:10**
